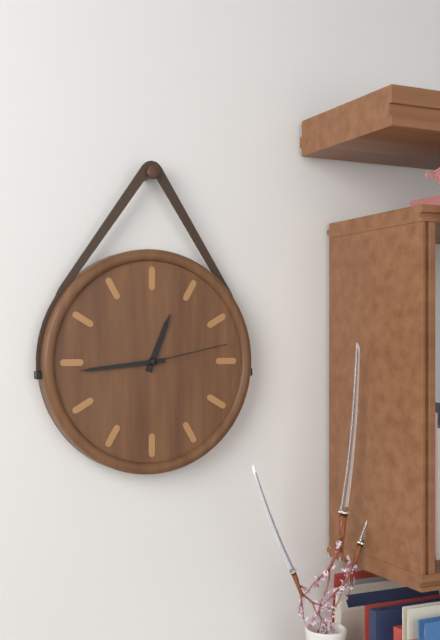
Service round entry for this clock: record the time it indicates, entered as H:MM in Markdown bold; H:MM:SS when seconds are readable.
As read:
**12:44:13**
